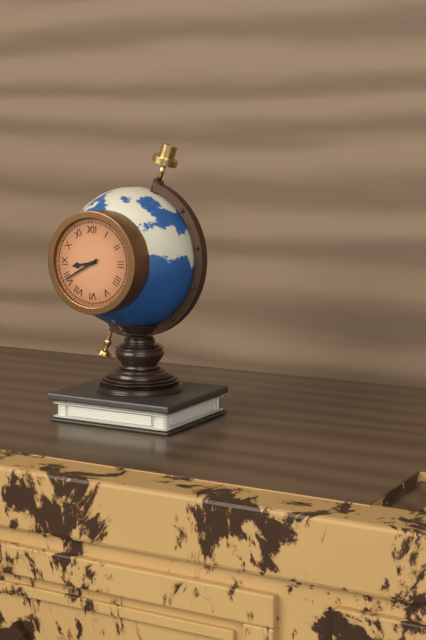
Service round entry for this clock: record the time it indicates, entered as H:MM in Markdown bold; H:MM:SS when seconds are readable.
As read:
**8:40**
